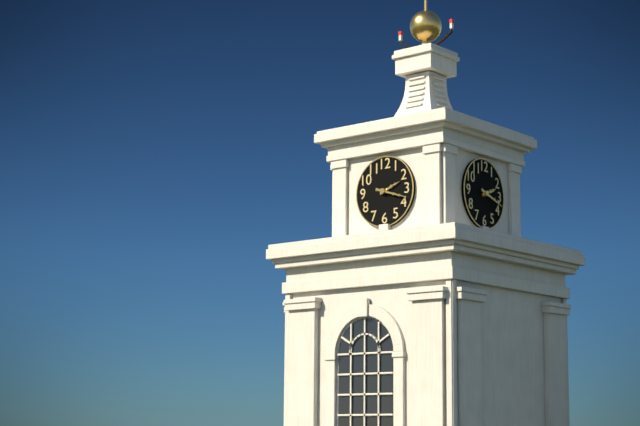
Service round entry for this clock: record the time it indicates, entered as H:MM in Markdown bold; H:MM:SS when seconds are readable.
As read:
**2:18**
